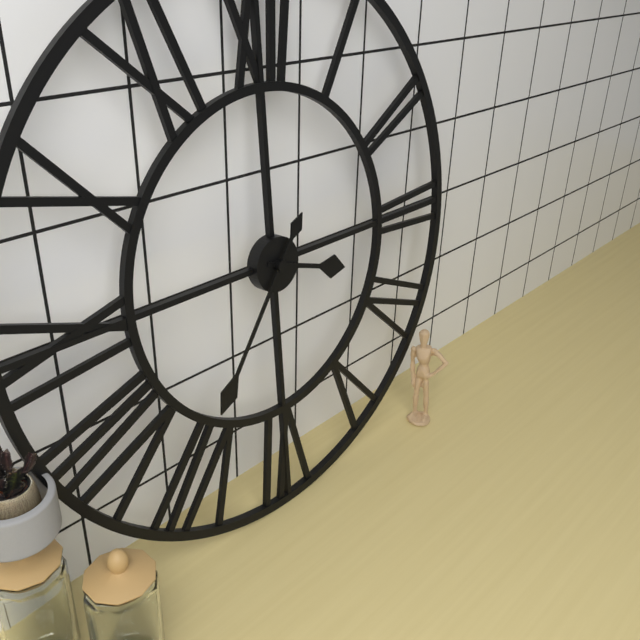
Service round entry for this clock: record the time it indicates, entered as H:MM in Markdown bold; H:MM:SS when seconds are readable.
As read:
**3:36**
